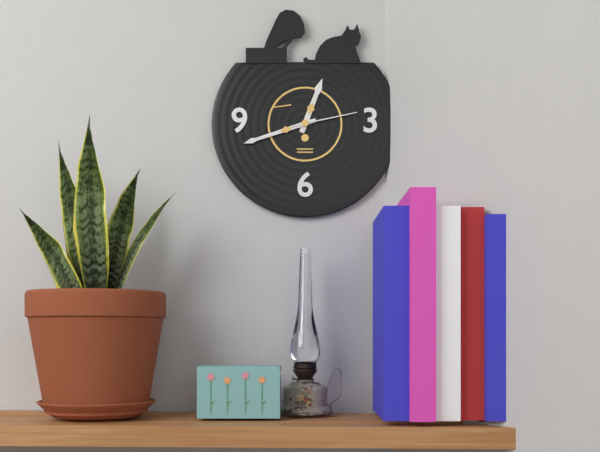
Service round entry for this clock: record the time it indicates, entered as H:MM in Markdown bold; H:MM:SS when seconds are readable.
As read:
**12:42:13**
